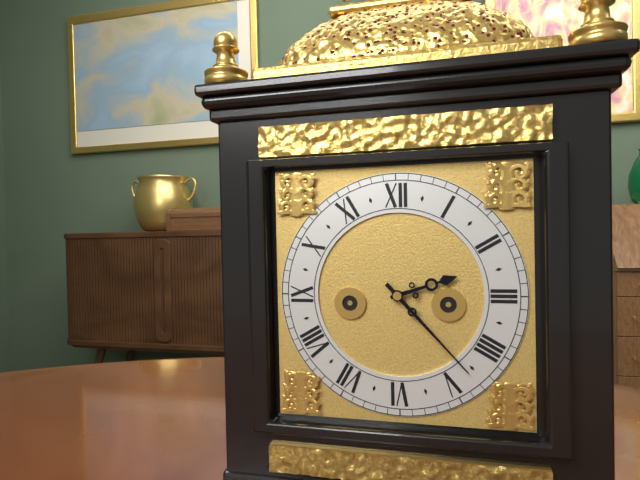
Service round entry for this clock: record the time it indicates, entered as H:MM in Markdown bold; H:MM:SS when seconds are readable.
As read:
**2:23**
